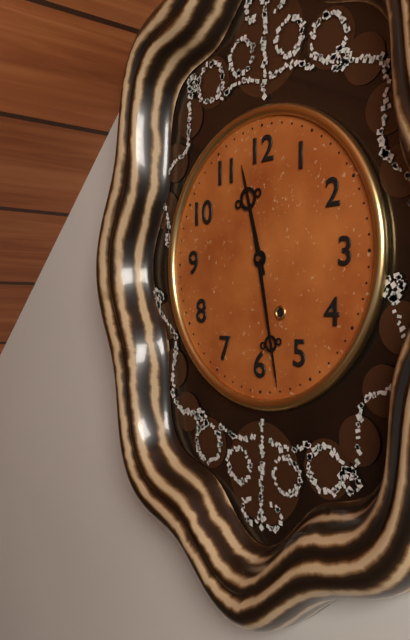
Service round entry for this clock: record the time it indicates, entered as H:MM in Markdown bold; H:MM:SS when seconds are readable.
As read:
**11:28**
